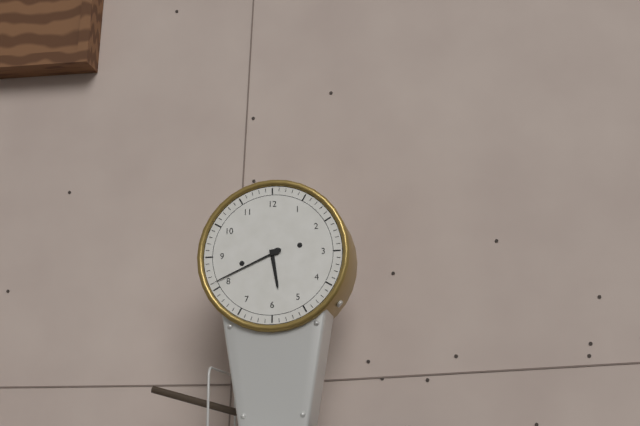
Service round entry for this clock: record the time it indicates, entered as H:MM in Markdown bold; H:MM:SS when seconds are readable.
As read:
**5:41**
